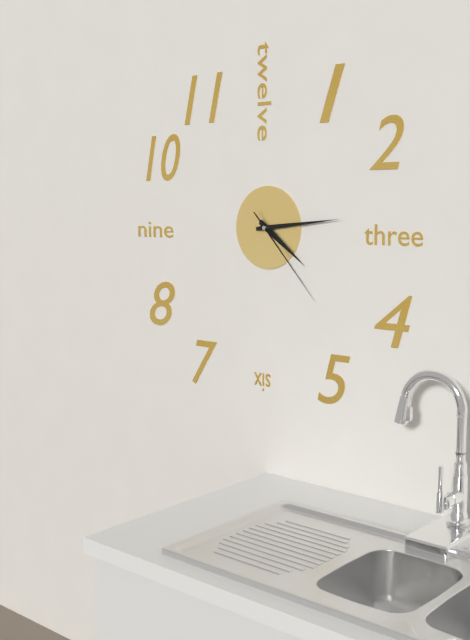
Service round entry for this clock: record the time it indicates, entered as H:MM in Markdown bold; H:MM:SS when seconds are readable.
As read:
**4:14:23**
